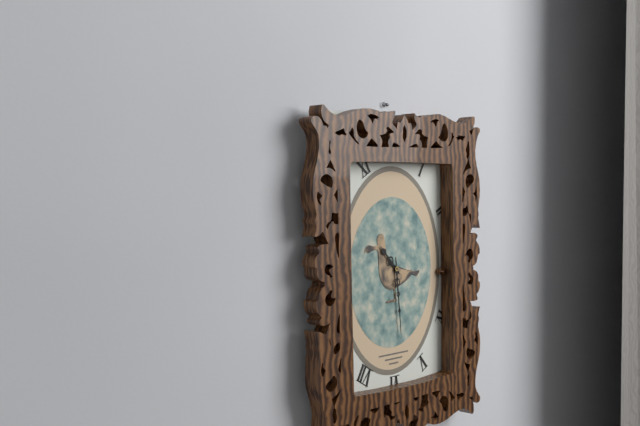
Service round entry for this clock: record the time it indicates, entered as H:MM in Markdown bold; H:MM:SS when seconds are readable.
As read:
**10:29**
